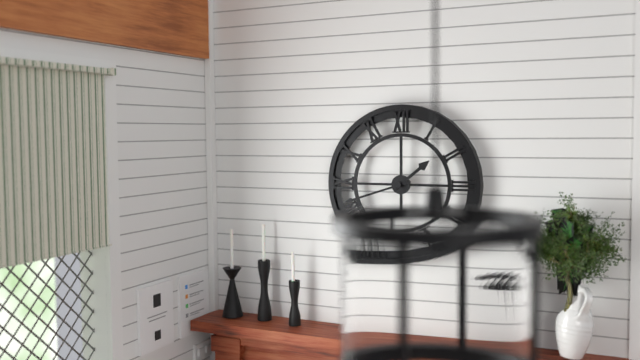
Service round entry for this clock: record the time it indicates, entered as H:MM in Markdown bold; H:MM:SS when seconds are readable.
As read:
**1:42**
